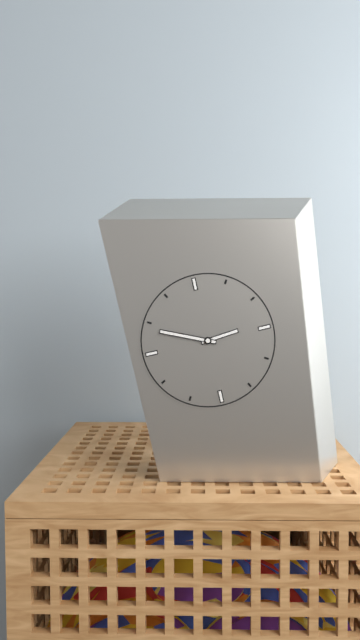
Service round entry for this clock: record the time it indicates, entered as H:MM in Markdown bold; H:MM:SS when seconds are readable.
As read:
**2:49**
